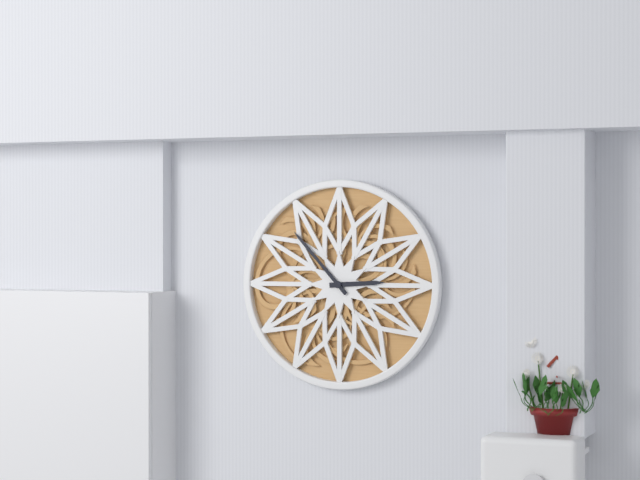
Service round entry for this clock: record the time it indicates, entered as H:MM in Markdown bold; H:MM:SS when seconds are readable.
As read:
**2:53**
